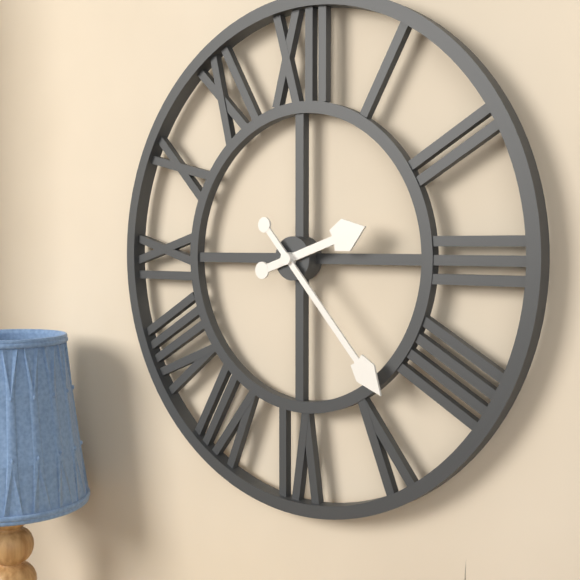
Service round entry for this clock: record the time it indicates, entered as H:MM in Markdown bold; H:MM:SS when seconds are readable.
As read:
**2:23**
